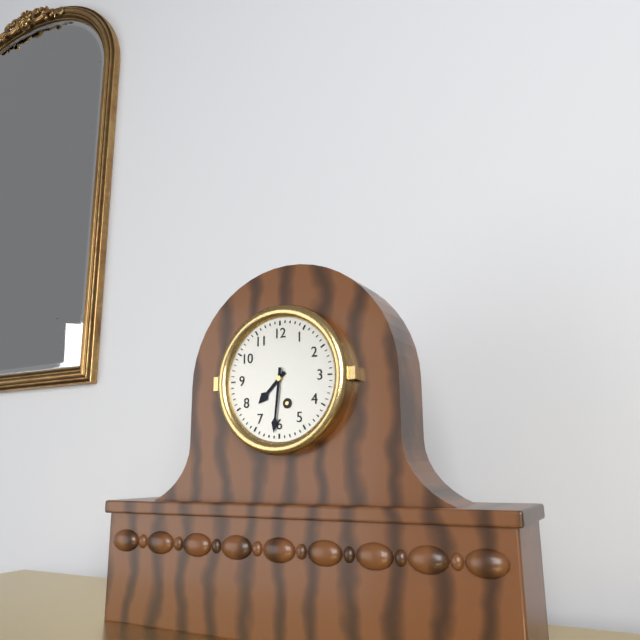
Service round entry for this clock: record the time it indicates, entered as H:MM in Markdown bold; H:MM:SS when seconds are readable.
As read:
**7:31**
